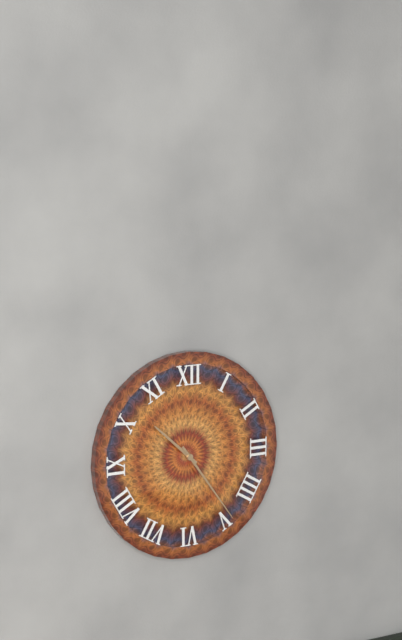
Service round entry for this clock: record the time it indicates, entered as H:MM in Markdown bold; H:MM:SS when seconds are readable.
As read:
**10:24**
